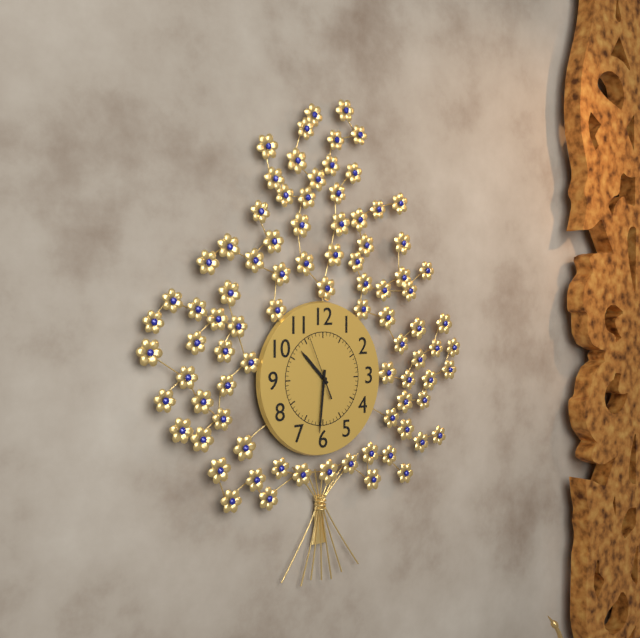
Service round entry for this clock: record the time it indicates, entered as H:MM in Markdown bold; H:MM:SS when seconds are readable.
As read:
**10:31:56**
